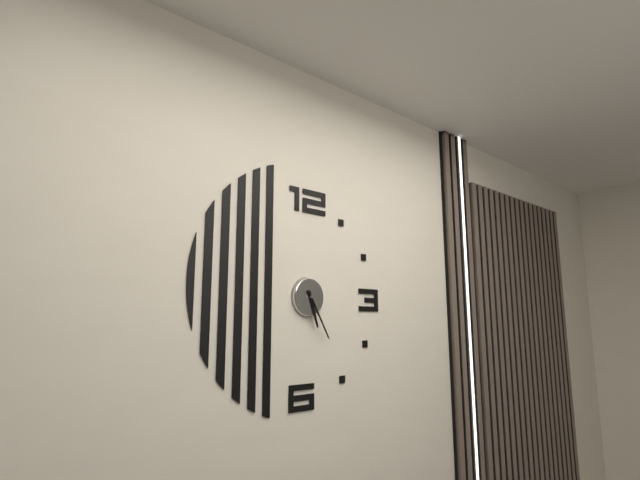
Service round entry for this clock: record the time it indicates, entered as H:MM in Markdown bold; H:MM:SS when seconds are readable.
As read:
**5:25**
